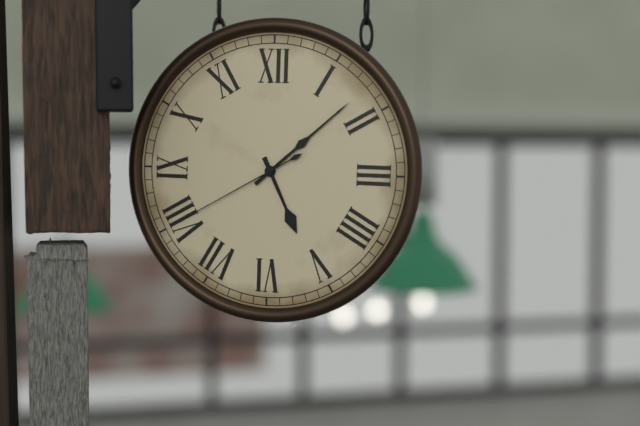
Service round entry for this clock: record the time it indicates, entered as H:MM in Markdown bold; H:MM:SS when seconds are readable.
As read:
**5:08:40**
